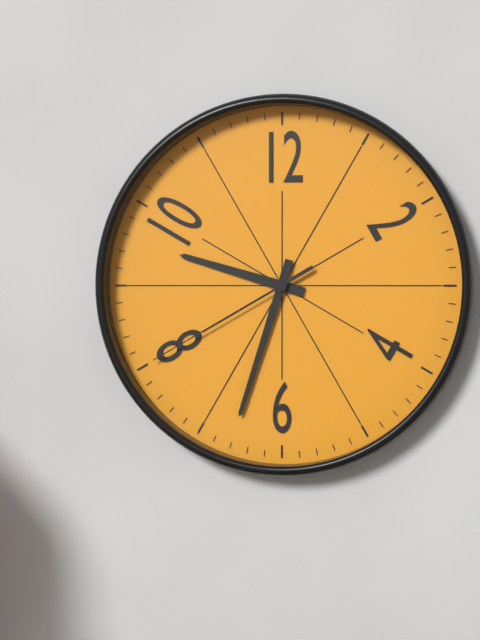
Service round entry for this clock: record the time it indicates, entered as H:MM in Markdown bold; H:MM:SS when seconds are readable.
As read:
**9:33:40**
